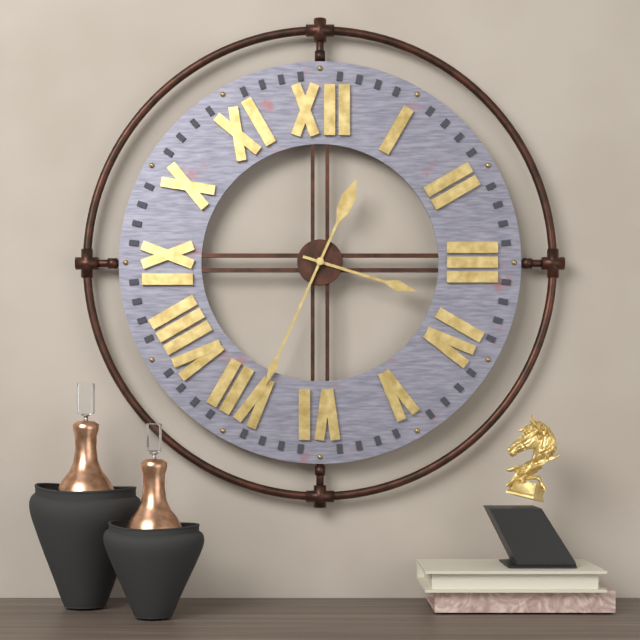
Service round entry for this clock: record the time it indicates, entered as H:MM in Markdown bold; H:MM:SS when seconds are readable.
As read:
**3:34**
